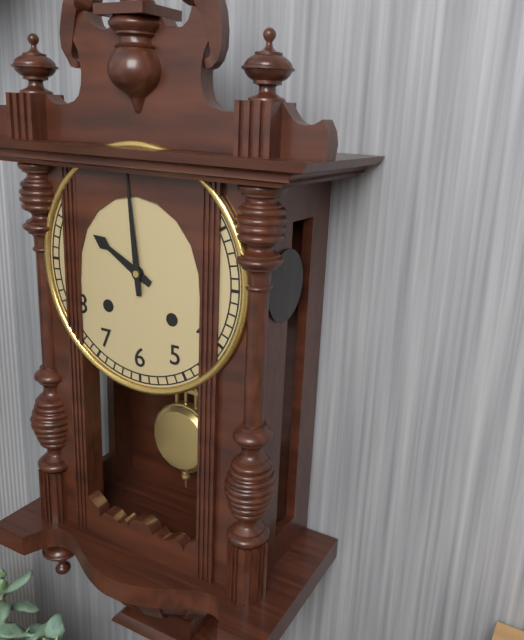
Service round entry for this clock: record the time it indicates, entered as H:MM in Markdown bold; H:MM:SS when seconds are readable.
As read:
**9:59**
